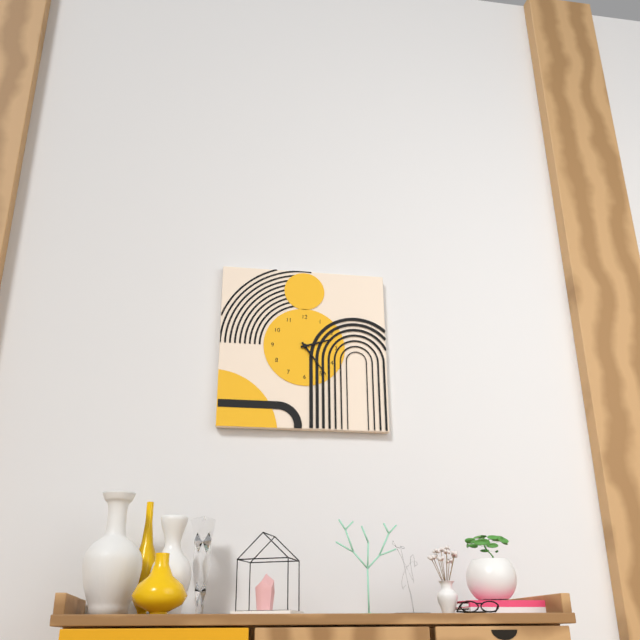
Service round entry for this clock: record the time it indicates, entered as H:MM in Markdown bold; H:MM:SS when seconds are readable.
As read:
**2:24**
